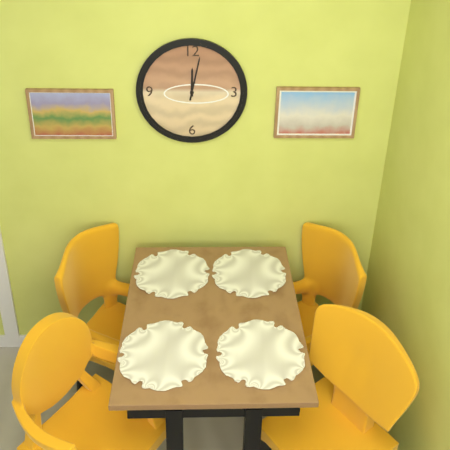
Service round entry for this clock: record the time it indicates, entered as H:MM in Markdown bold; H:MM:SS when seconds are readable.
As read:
**12:02**
